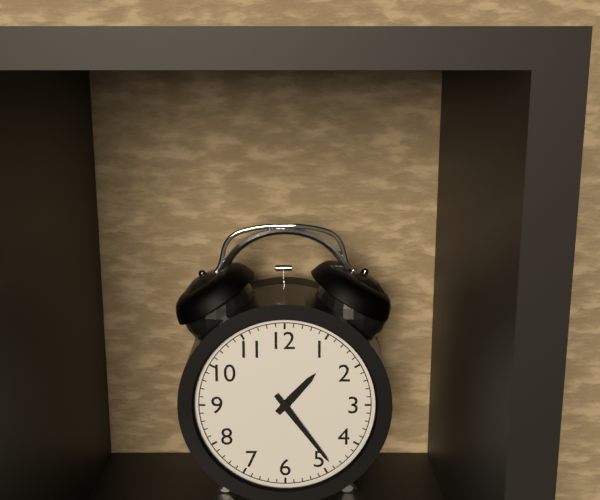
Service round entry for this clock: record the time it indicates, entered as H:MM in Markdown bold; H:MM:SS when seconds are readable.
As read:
**1:24**
